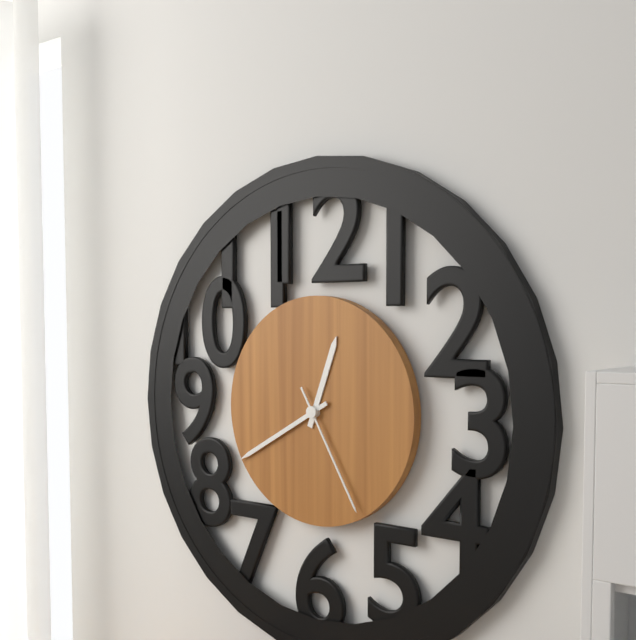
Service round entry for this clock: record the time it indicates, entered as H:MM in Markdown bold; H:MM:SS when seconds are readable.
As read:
**12:40:25**
